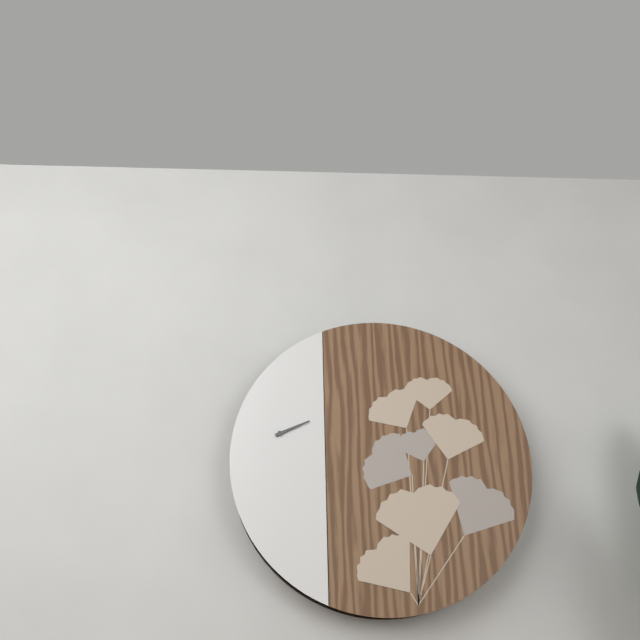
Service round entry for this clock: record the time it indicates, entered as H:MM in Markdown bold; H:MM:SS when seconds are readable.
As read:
**2:11**
